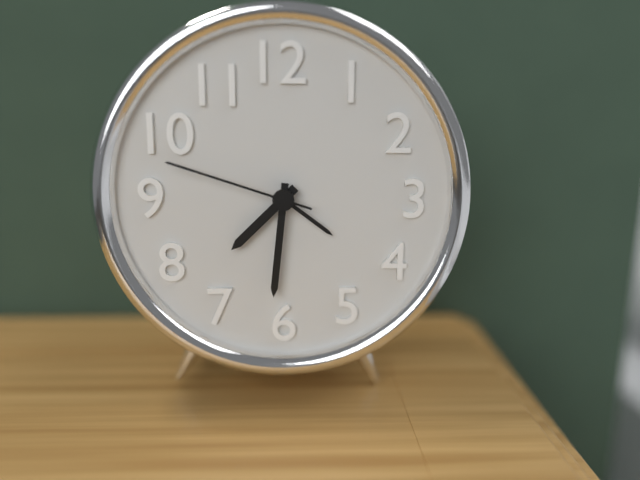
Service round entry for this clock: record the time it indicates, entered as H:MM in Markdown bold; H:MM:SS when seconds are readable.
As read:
**7:31:48**
